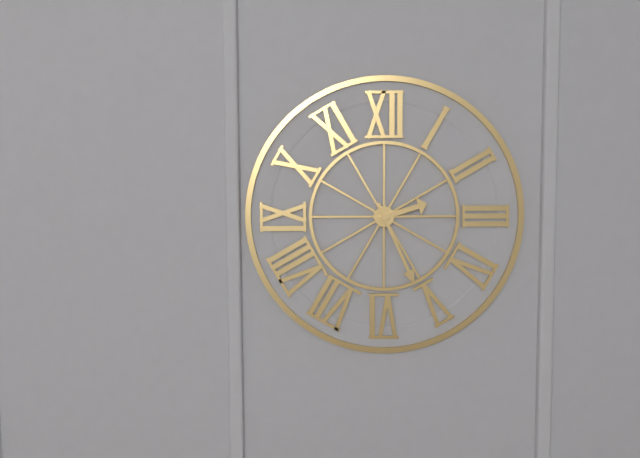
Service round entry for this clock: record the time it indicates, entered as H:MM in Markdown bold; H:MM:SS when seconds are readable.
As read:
**2:26**
